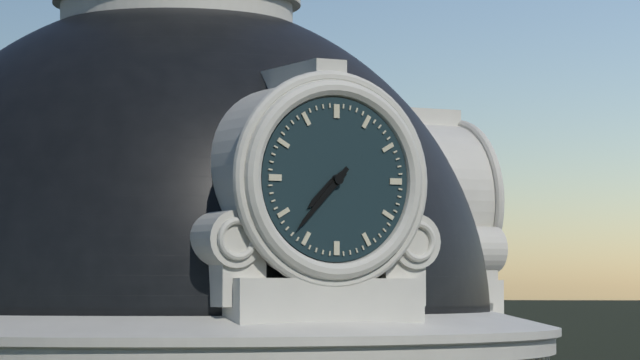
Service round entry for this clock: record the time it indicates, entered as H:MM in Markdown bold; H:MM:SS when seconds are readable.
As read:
**7:37**
